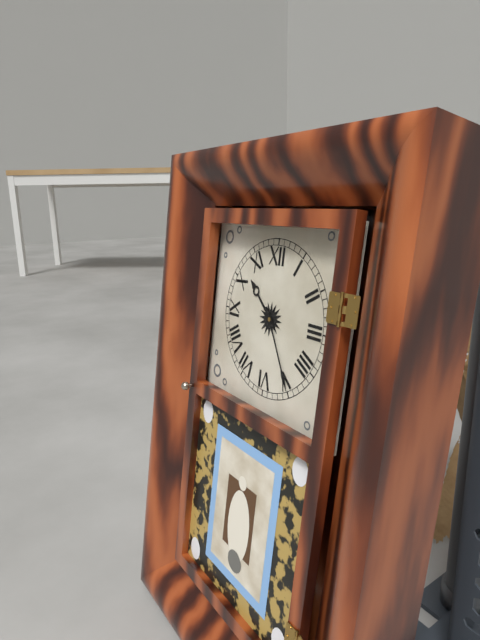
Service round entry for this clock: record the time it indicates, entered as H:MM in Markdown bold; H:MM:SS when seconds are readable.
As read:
**10:25**
